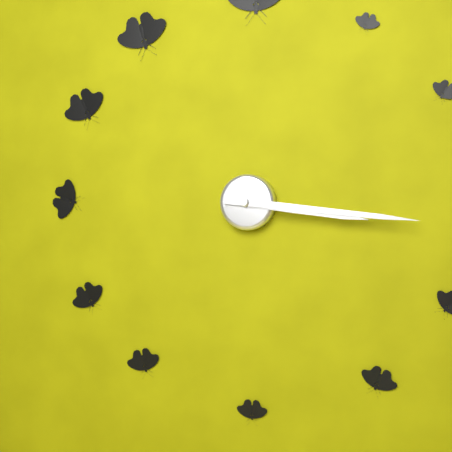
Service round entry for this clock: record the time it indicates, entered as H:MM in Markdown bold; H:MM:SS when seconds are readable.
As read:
**3:16**
